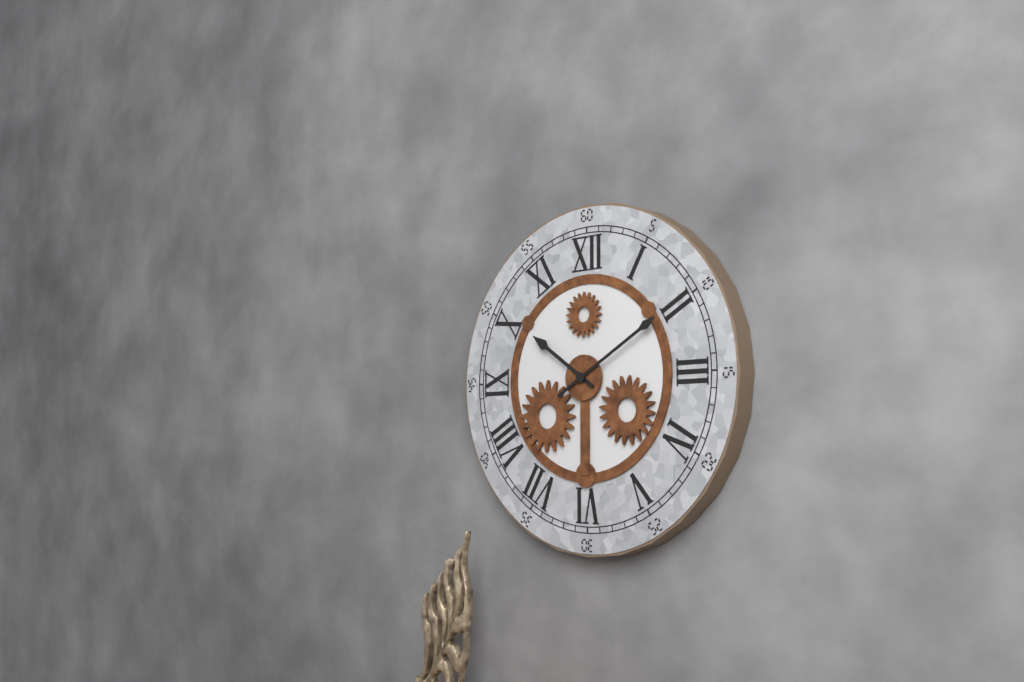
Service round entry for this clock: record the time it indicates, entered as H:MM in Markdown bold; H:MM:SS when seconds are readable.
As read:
**10:10**
